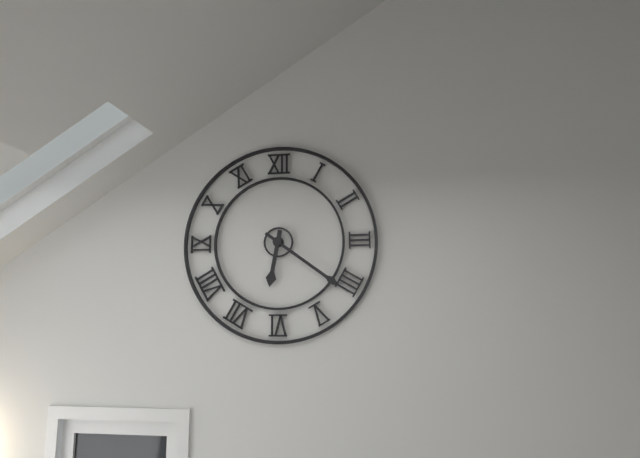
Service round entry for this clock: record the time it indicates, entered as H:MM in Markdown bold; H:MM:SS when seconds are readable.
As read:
**6:21**
